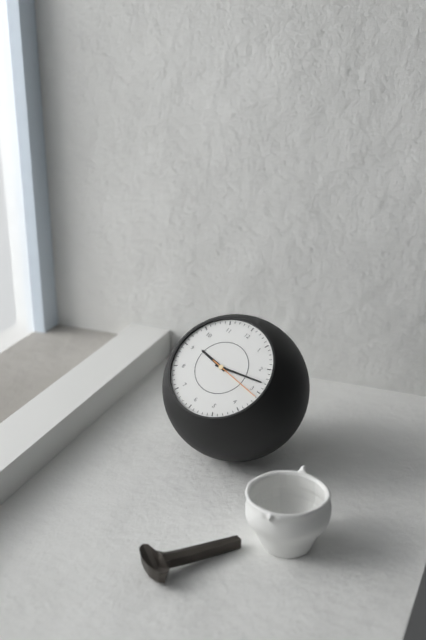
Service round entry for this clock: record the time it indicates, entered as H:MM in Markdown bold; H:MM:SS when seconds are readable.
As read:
**9:13:16**
